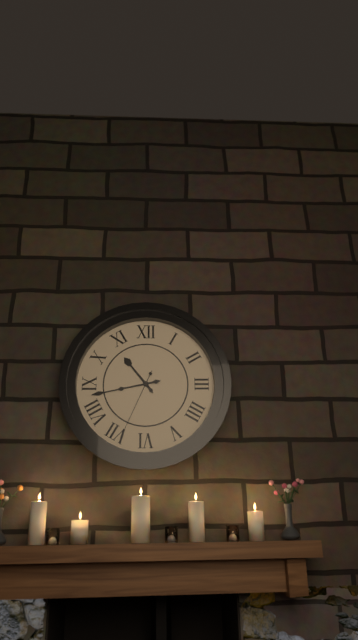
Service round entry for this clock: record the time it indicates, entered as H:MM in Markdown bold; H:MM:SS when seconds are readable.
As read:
**10:43:34**
